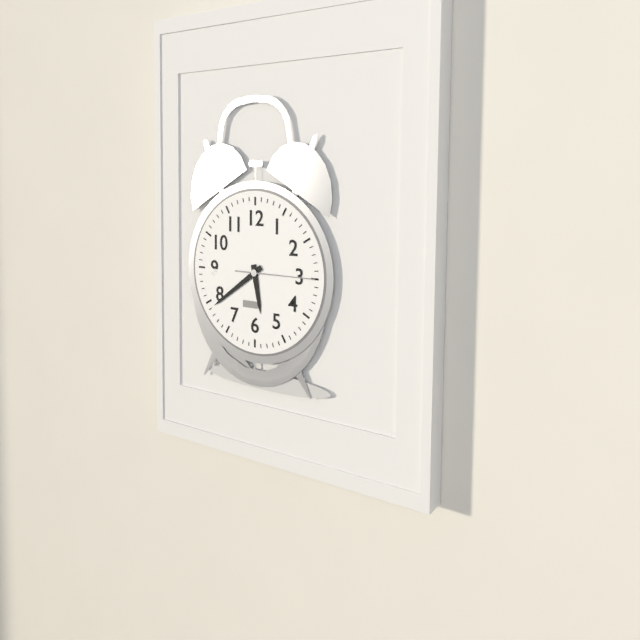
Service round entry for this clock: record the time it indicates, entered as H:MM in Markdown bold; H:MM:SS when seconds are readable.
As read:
**5:39:15**
